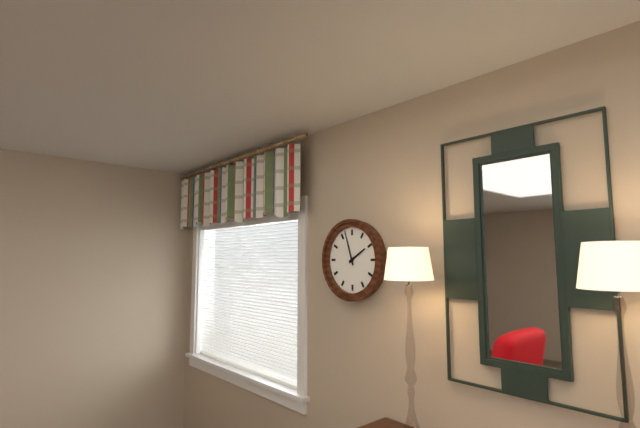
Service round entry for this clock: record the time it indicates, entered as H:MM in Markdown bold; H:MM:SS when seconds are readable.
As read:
**1:57**
